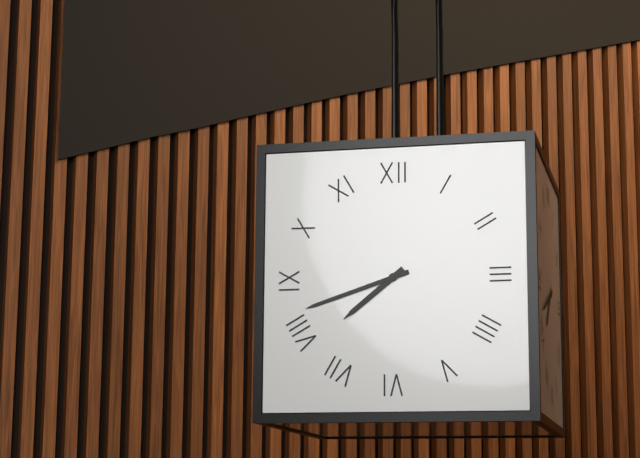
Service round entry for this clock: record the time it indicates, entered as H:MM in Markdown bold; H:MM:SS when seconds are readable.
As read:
**7:42**
